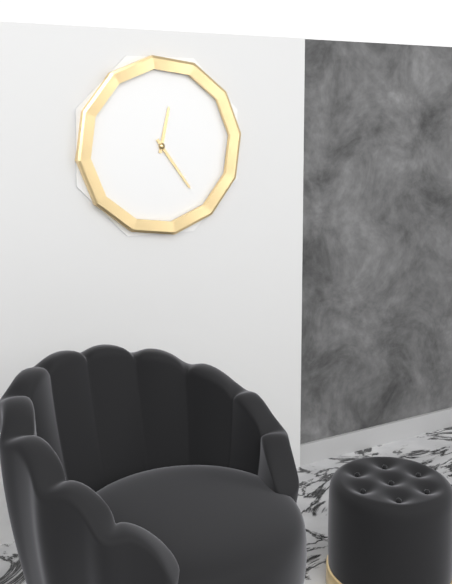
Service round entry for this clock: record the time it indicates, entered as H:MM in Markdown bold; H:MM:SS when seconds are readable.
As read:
**12:24**
